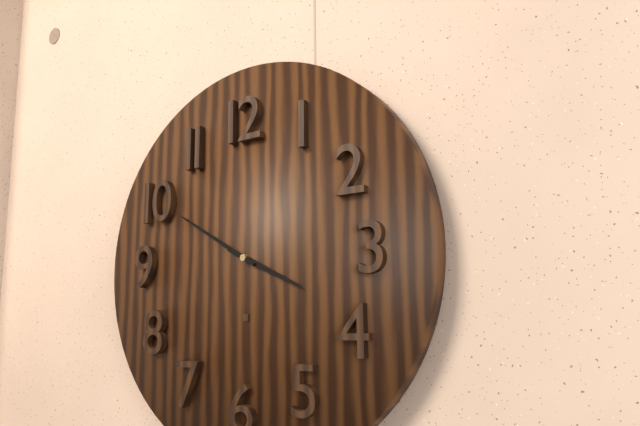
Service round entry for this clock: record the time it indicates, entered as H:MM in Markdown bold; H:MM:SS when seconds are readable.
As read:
**3:50**
